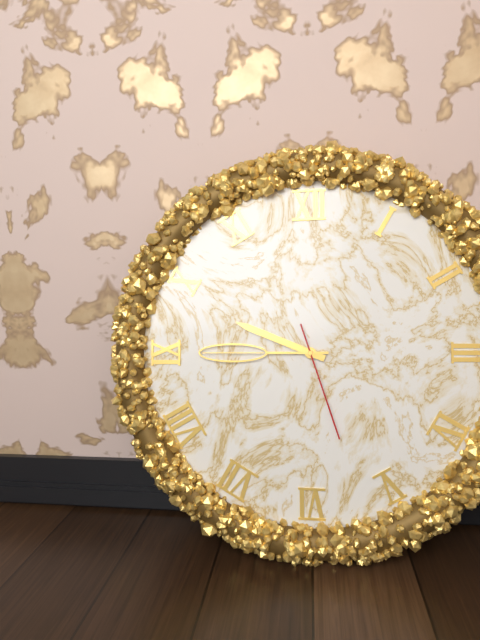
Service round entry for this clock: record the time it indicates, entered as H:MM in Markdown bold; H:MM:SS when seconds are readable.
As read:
**9:45:27**
